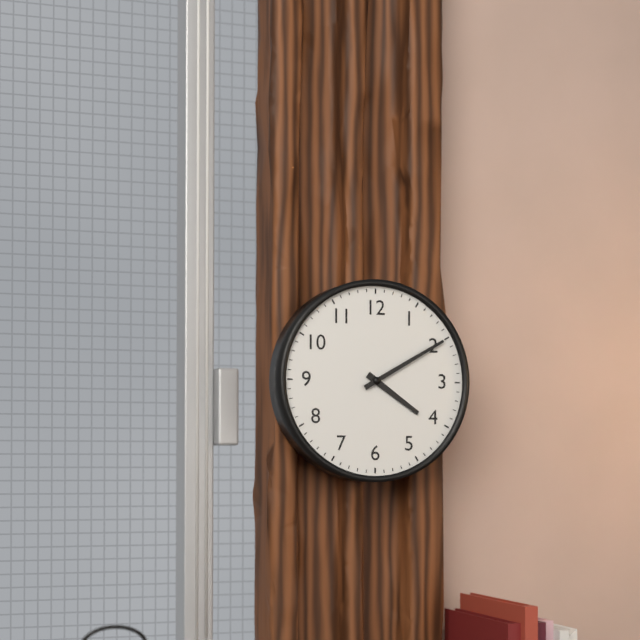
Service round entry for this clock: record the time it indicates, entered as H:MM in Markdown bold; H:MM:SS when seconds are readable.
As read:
**4:10**
